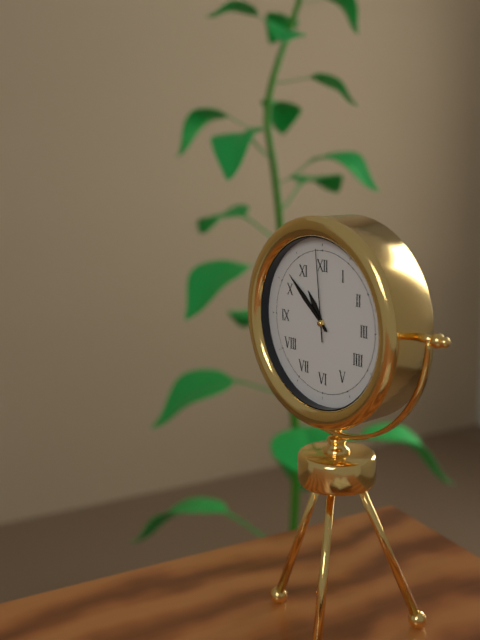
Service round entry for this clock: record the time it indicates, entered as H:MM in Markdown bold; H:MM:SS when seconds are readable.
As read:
**10:52:59**
